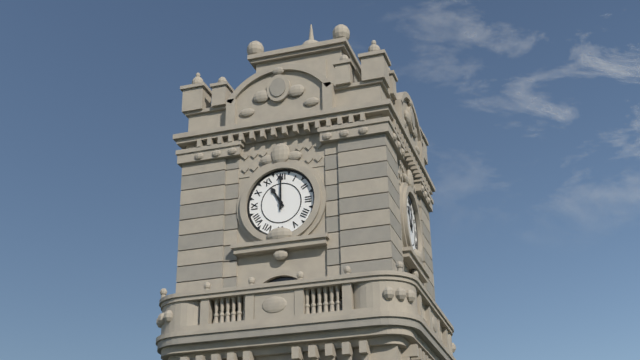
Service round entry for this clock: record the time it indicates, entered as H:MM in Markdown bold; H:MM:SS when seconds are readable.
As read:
**11:00**
